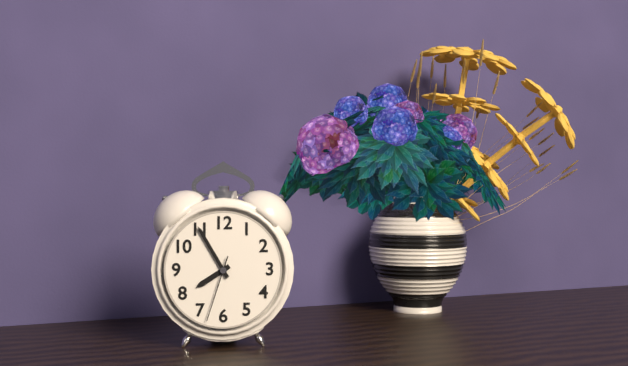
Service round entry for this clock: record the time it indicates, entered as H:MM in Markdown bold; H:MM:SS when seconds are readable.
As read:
**7:55:33**
